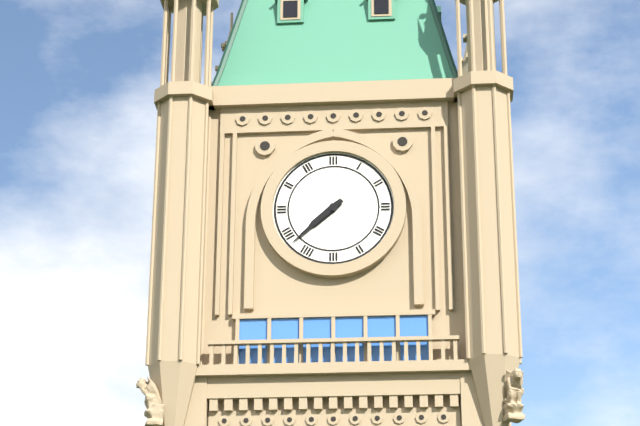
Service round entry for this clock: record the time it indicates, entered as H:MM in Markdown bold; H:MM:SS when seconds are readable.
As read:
**7:38**
